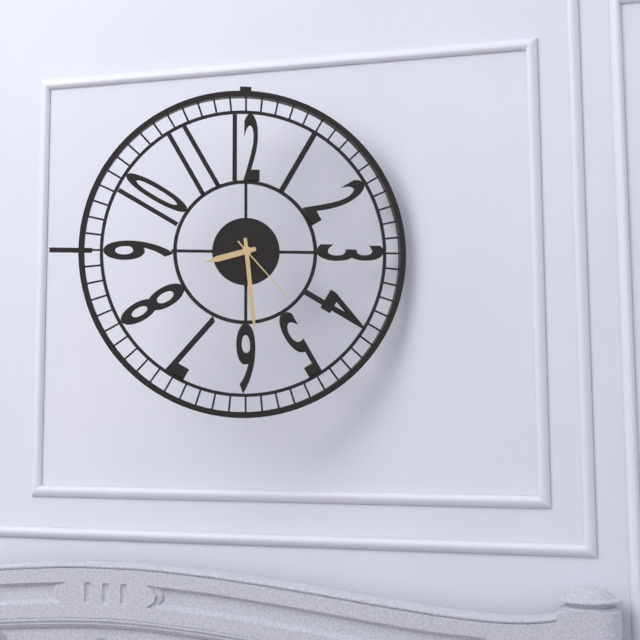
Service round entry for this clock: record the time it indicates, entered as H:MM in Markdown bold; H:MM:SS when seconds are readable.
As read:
**8:29:23**
